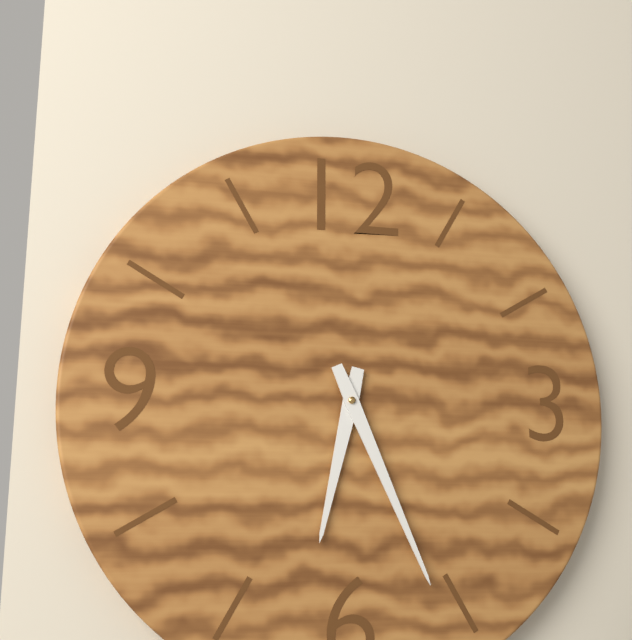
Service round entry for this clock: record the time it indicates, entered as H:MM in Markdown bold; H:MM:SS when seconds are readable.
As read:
**6:26**
